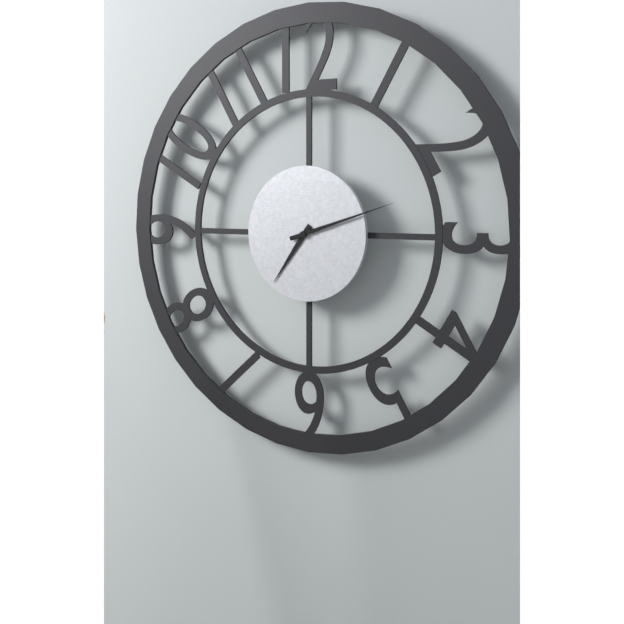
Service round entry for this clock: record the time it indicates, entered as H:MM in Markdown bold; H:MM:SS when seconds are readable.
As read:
**7:12**
